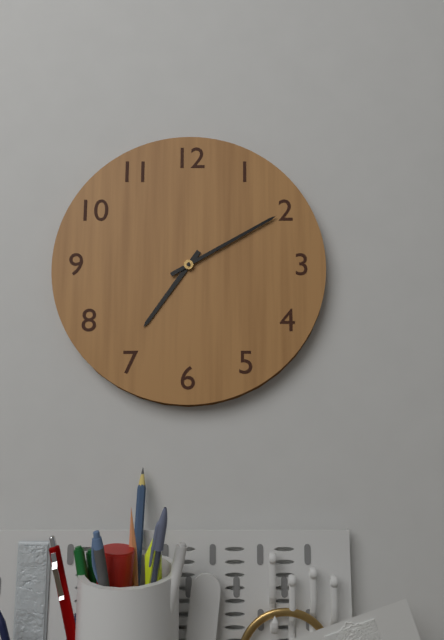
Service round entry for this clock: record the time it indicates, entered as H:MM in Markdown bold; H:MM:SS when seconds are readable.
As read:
**7:10**
